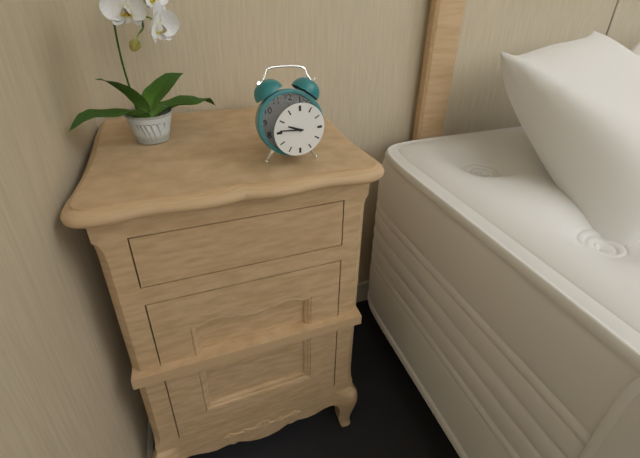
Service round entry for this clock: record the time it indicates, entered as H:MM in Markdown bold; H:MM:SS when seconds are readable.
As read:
**9:46**
